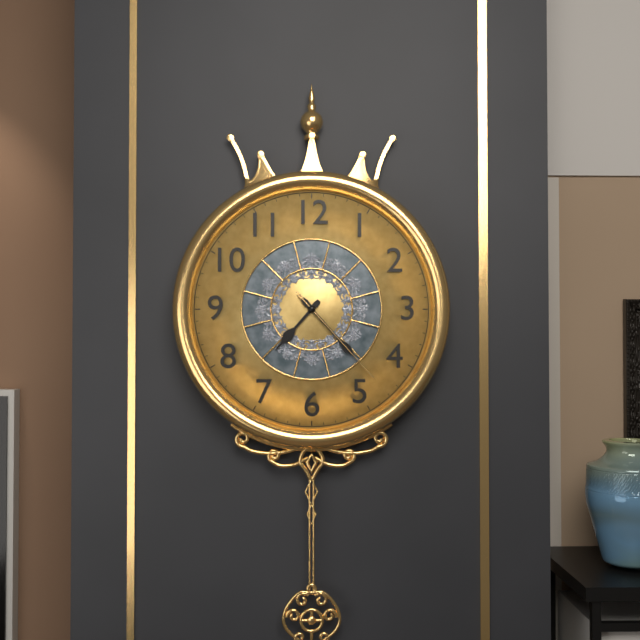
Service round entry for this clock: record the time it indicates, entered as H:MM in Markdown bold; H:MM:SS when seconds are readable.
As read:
**7:23:23**
